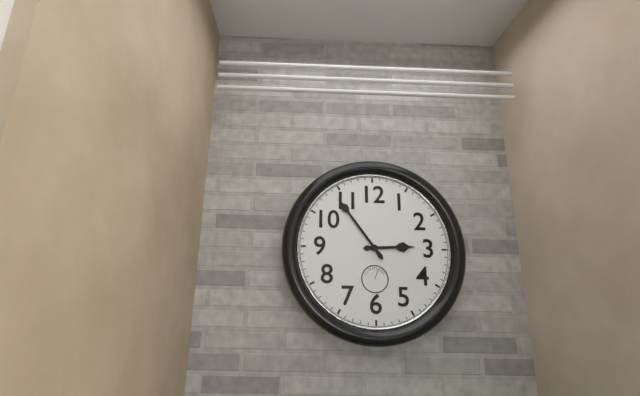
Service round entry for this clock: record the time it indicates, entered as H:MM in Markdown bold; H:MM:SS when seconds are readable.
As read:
**2:54**
